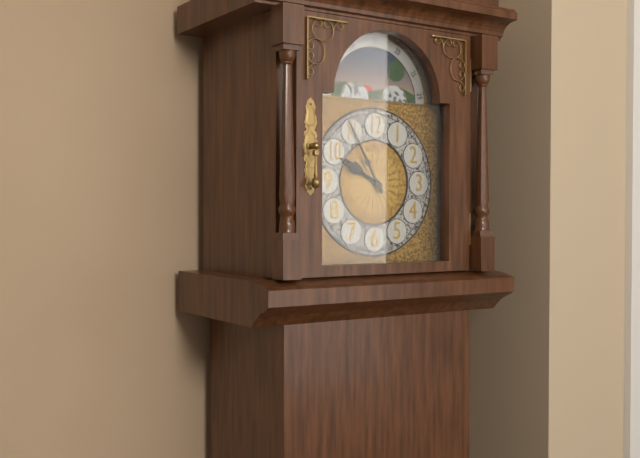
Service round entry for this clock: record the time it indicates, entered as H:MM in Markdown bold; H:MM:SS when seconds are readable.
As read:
**9:55**
